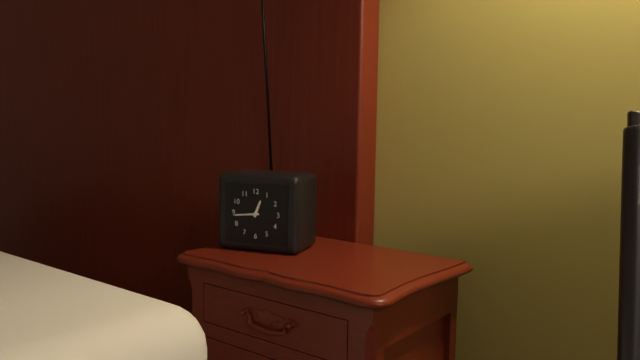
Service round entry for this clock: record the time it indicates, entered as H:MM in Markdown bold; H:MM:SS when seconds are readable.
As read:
**12:44**
